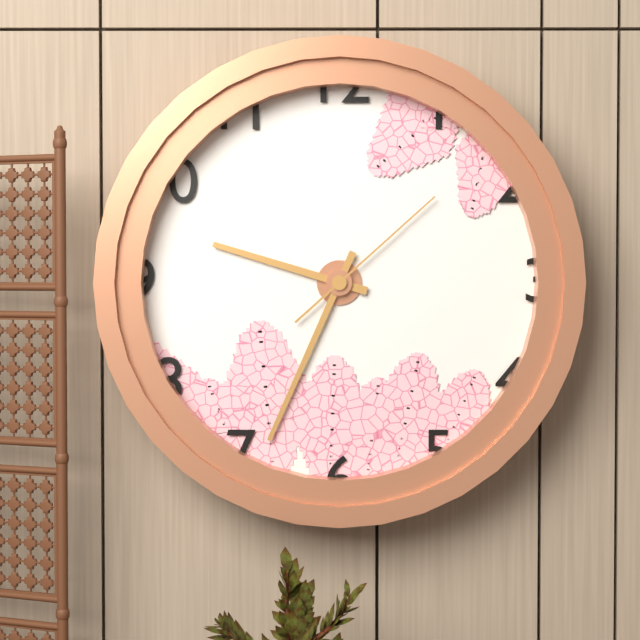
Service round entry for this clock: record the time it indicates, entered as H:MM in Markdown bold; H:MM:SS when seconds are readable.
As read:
**9:34:08**
